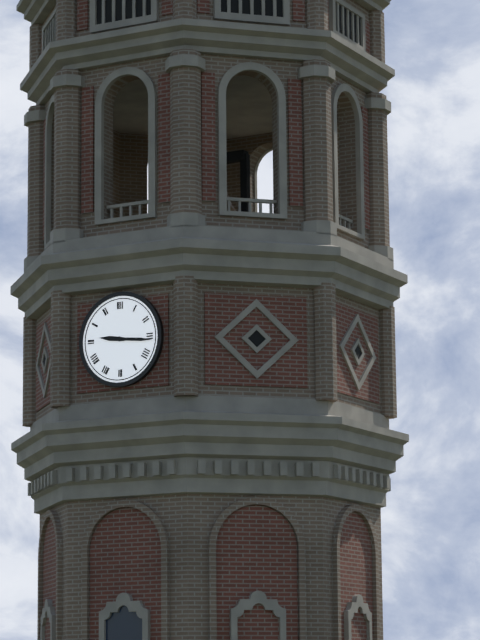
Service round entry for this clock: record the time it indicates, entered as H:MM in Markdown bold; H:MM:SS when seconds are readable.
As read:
**9:16**
